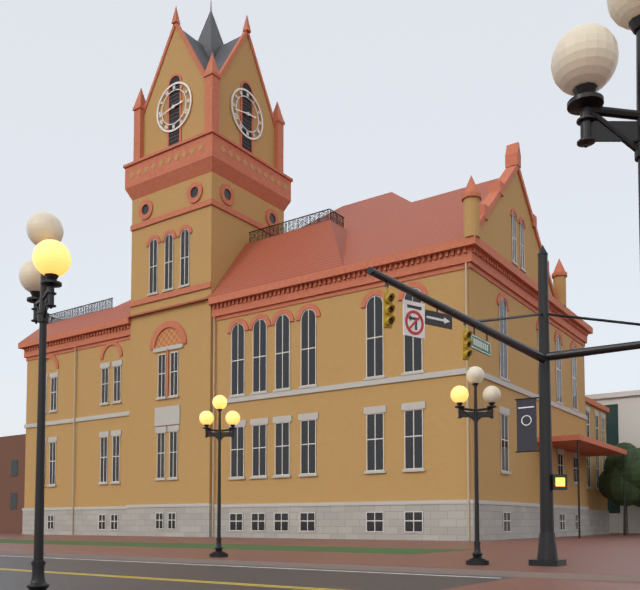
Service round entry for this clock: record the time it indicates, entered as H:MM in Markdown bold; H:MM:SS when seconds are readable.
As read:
**2:43**
